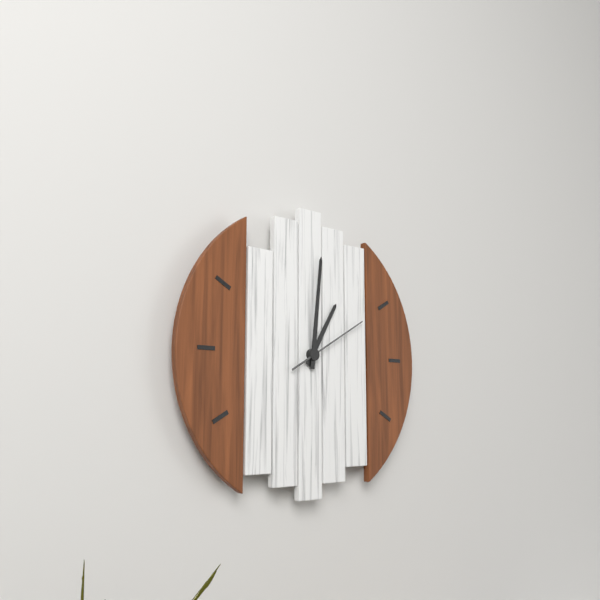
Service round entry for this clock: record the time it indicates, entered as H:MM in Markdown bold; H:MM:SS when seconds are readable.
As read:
**1:01:10**
